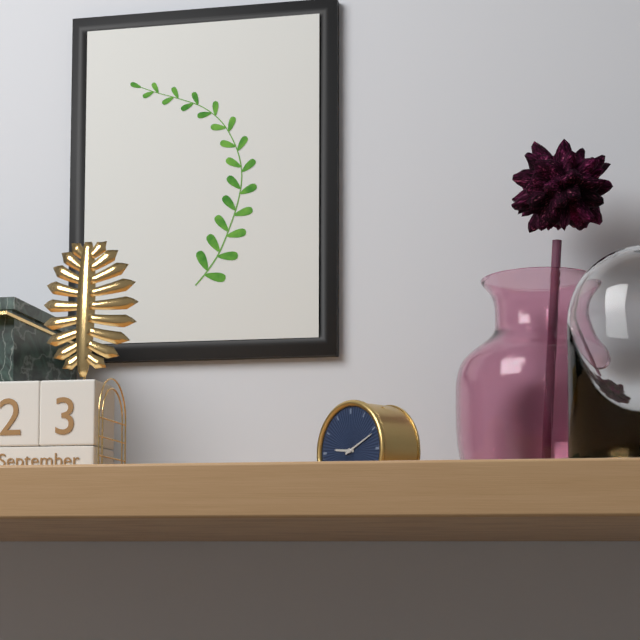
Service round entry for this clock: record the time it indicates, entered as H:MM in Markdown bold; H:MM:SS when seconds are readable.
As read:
**9:11**
